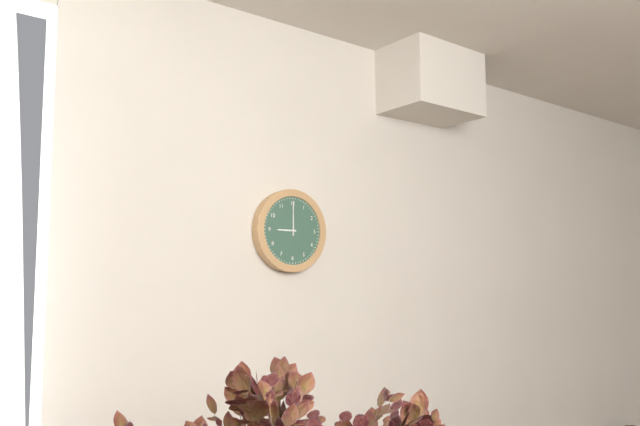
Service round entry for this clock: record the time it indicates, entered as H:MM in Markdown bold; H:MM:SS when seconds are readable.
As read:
**9:00**
